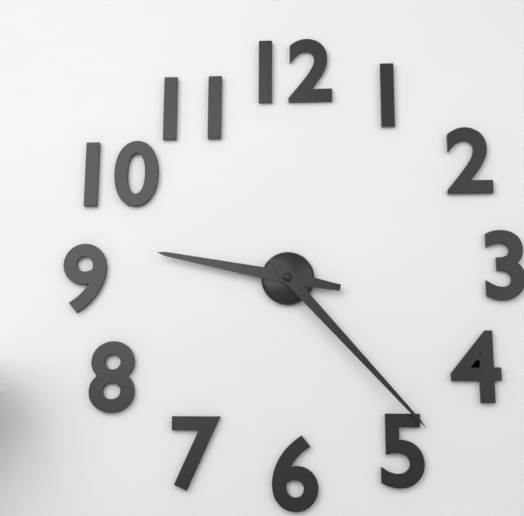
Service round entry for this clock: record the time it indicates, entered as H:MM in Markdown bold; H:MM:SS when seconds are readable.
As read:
**9:23**
